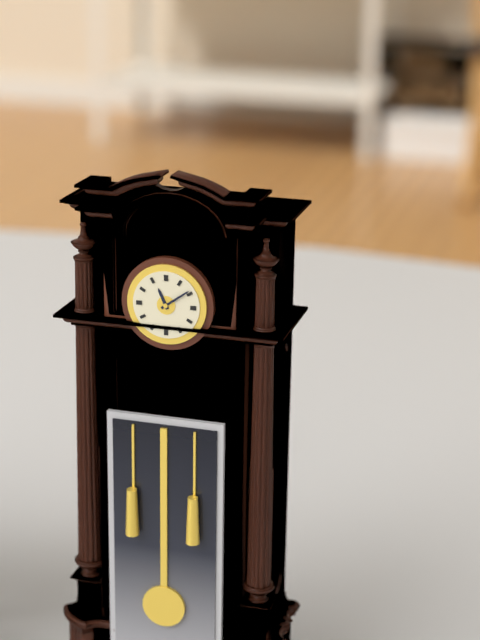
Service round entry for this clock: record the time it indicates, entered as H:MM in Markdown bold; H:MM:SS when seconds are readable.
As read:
**11:09**
